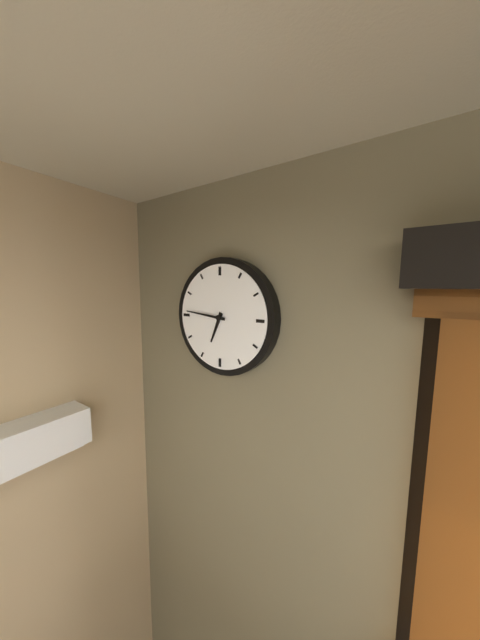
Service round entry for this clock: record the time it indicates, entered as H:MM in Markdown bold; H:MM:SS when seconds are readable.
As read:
**6:46**
